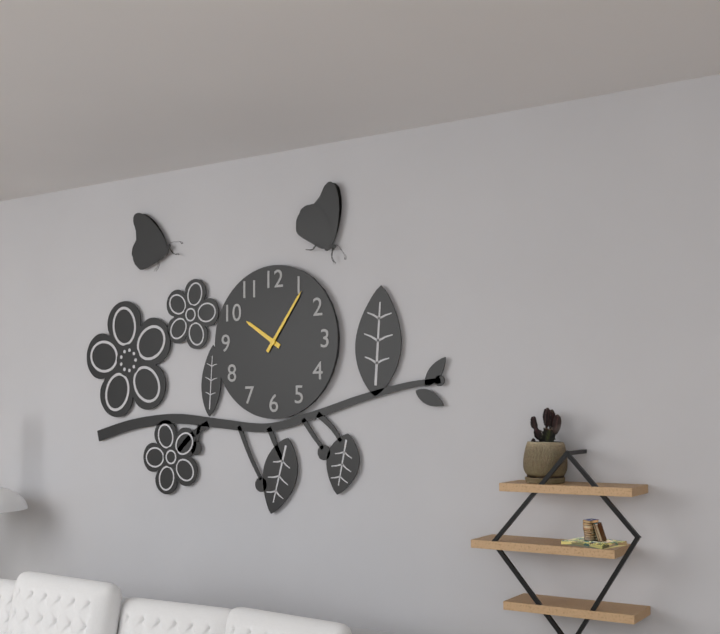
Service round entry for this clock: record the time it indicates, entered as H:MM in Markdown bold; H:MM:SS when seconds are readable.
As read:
**10:06**
